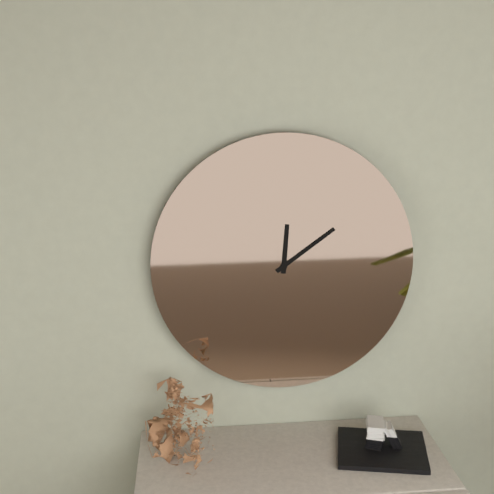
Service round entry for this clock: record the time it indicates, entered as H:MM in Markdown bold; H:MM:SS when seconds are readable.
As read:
**12:09**
